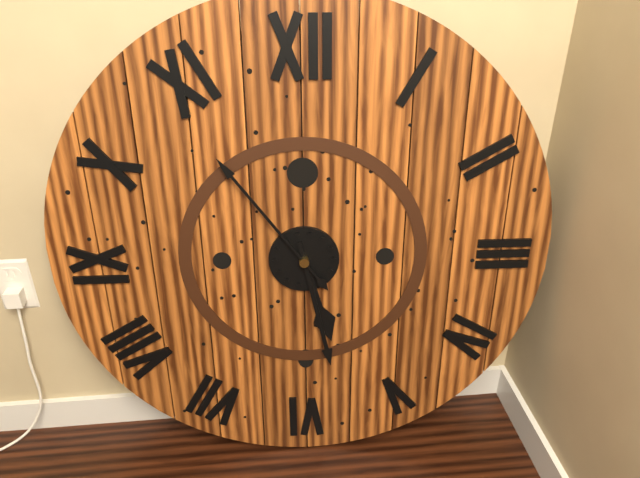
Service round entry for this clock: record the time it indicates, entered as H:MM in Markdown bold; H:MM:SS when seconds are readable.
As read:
**5:28:54**
